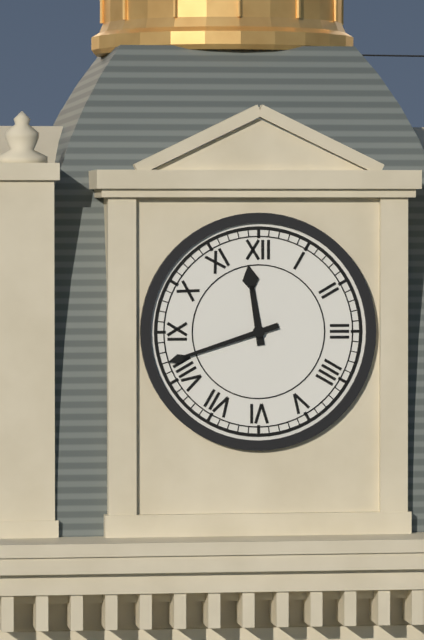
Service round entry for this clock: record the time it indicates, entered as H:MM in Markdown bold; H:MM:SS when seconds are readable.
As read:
**11:42**
